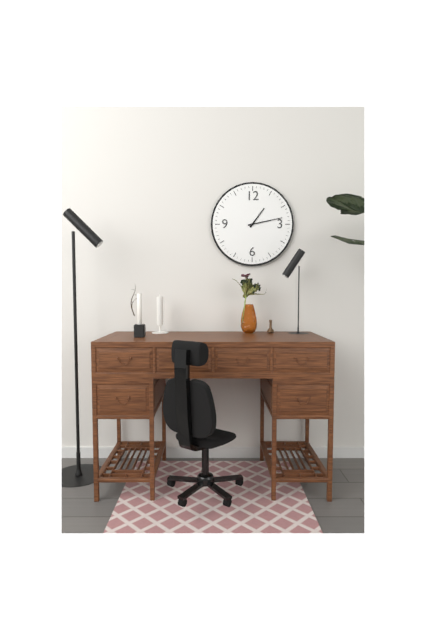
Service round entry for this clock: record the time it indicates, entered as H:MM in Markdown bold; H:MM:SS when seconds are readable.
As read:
**1:13**
